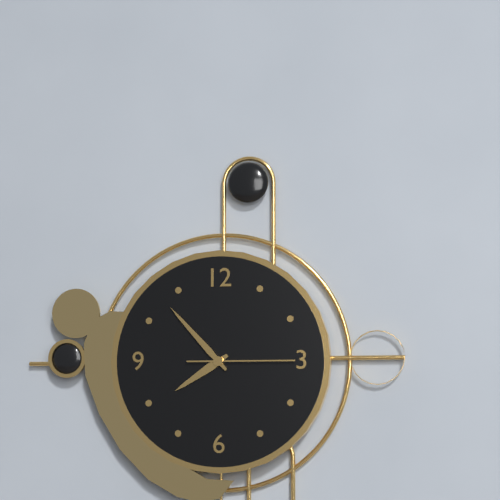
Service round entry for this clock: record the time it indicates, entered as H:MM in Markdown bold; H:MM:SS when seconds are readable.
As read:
**7:53:15**
